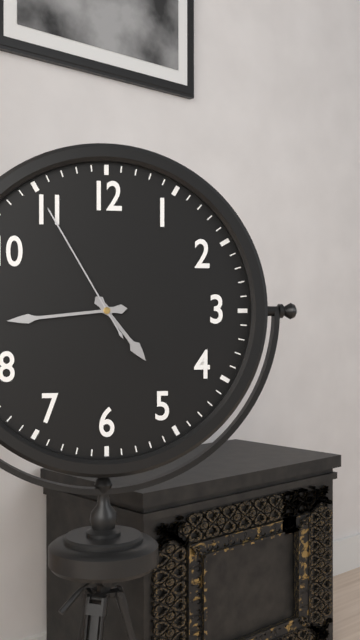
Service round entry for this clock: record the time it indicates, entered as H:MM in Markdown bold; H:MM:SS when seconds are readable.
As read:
**4:44:55**
